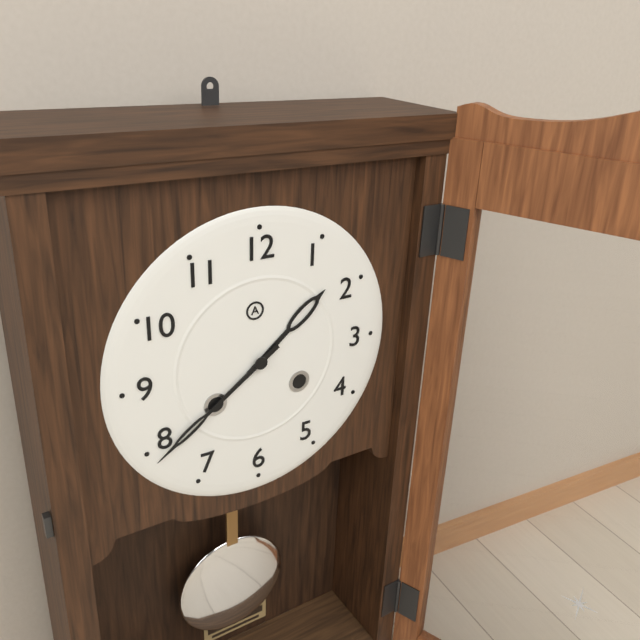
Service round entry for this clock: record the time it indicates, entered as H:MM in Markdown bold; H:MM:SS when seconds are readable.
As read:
**1:39**
